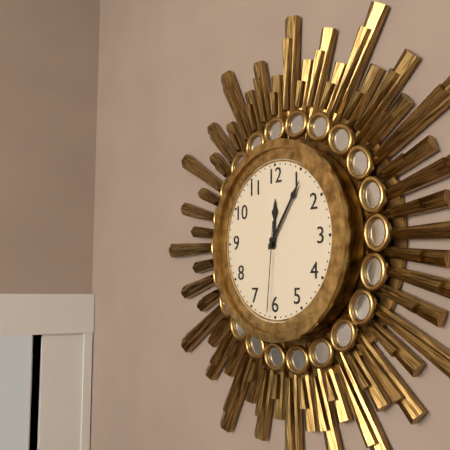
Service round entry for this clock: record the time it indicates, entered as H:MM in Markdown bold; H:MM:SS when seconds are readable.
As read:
**12:06:31**
